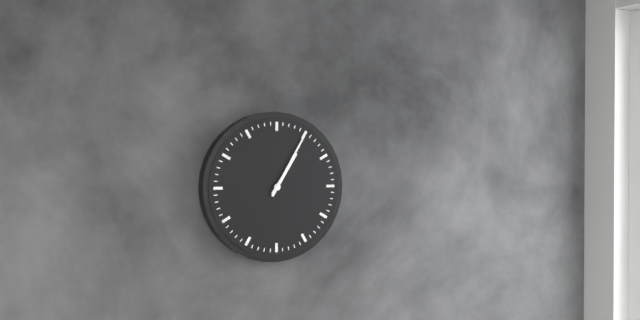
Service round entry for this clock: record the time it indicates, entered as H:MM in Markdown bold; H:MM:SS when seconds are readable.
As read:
**1:05**
